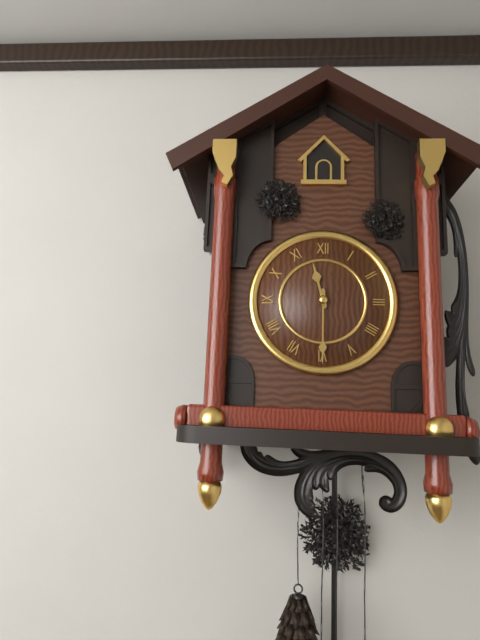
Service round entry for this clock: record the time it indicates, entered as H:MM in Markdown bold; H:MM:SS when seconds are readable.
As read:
**11:30**
